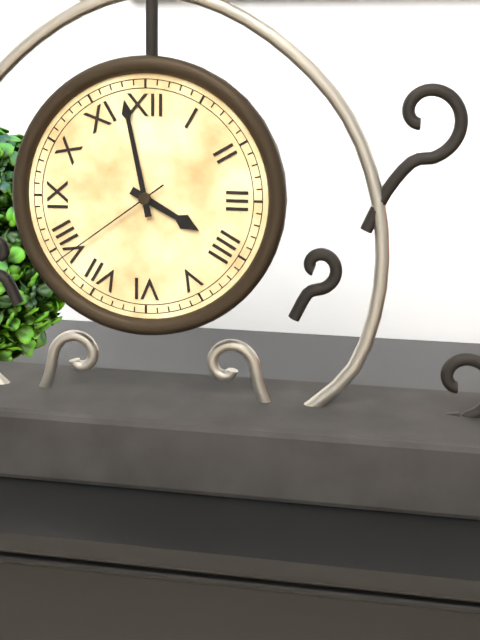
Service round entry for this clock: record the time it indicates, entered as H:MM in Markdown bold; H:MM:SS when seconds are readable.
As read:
**3:58:39**
